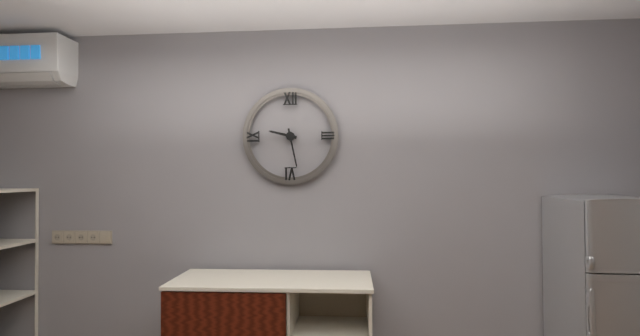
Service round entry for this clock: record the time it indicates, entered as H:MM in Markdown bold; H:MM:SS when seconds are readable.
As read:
**9:28**
